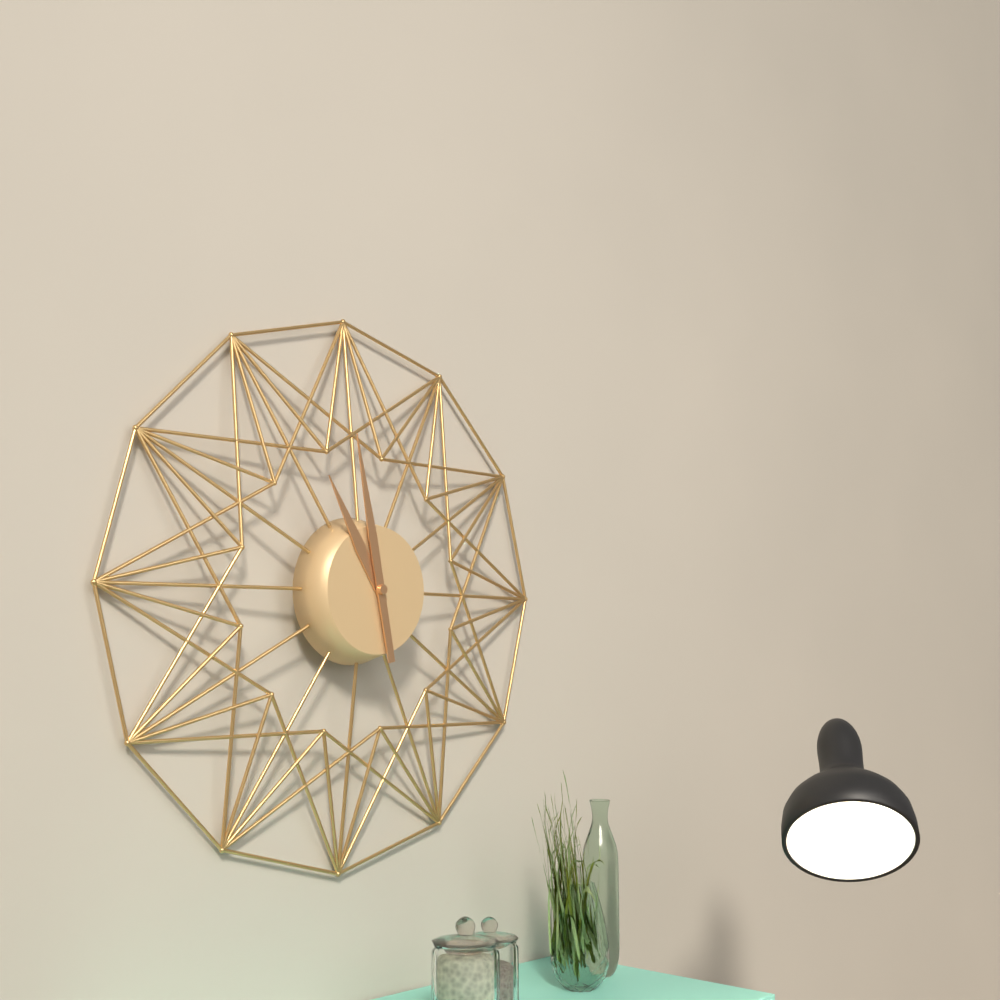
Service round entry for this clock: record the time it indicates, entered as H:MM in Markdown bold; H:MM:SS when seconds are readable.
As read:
**10:58**
